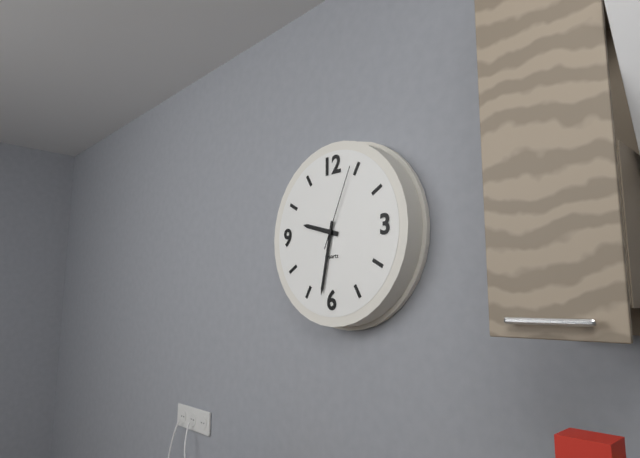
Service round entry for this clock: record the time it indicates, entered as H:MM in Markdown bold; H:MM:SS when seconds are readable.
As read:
**9:32:04**
